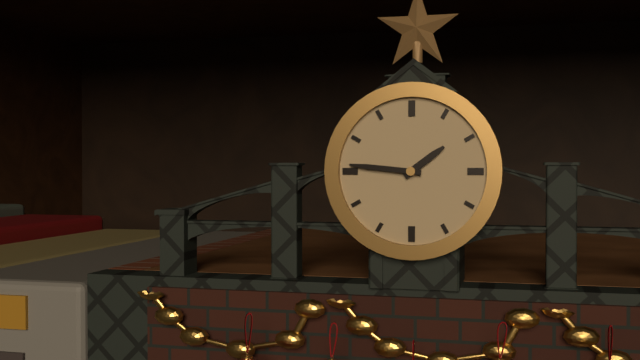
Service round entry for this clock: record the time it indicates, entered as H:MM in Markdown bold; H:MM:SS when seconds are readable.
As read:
**1:46**
